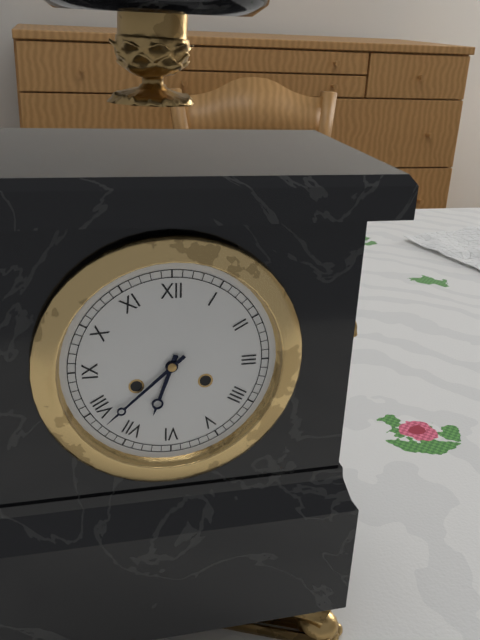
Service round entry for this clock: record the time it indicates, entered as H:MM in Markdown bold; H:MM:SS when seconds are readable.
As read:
**6:38**
